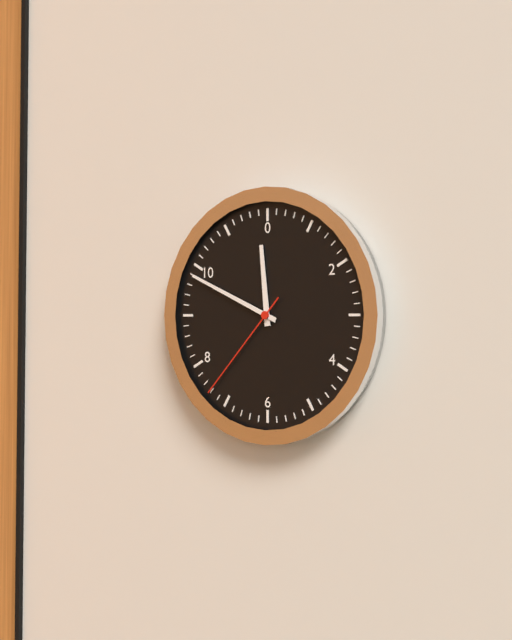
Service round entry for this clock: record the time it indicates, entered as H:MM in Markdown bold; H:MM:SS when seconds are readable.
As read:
**11:49:37**
